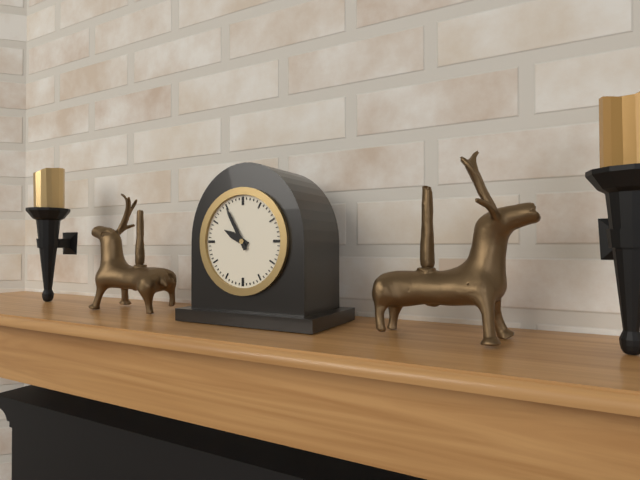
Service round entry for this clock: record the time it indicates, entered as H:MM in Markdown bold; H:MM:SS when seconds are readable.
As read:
**9:55**
